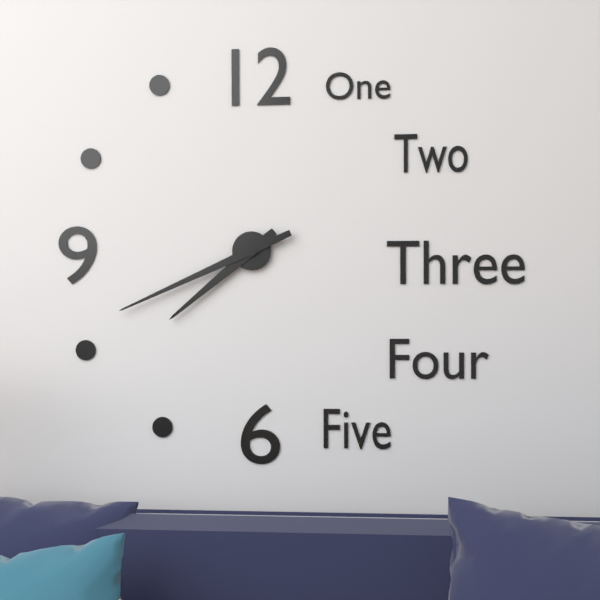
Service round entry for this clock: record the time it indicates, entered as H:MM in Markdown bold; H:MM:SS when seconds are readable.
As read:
**7:41**
